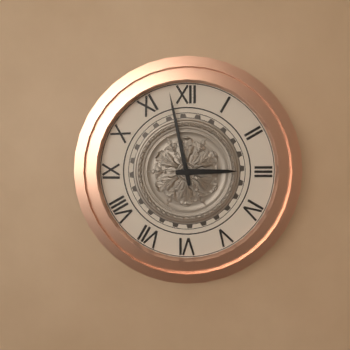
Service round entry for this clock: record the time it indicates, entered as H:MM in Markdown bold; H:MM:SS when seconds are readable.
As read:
**2:58**
